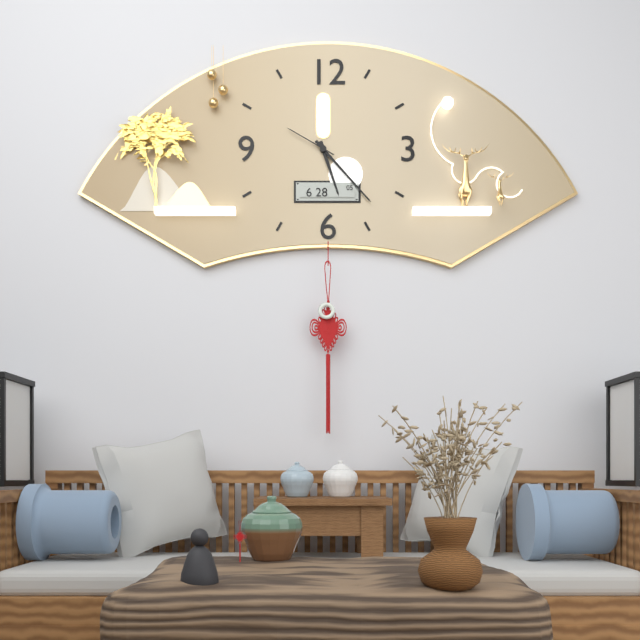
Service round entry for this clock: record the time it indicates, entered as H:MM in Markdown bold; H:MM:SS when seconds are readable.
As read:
**5:23:50**
